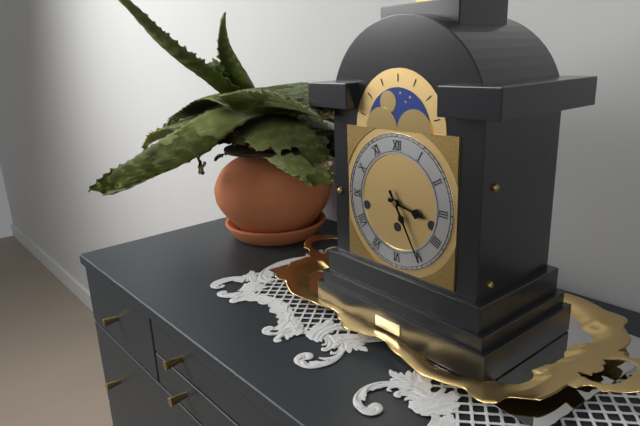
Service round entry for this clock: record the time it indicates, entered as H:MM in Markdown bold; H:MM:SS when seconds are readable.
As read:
**3:25**
